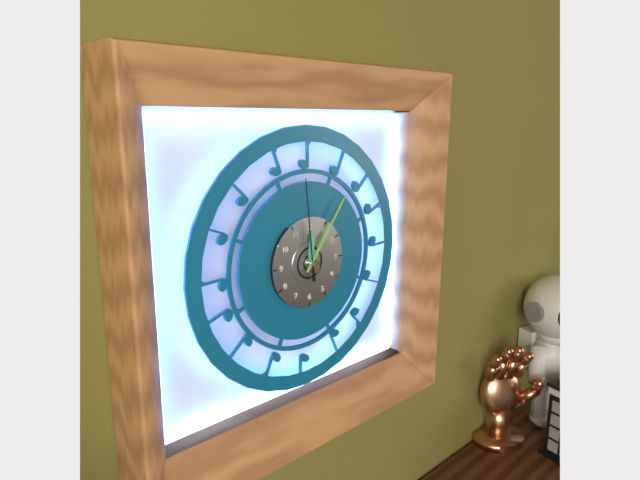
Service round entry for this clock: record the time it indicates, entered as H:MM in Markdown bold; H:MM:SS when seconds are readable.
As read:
**12:06:59**
